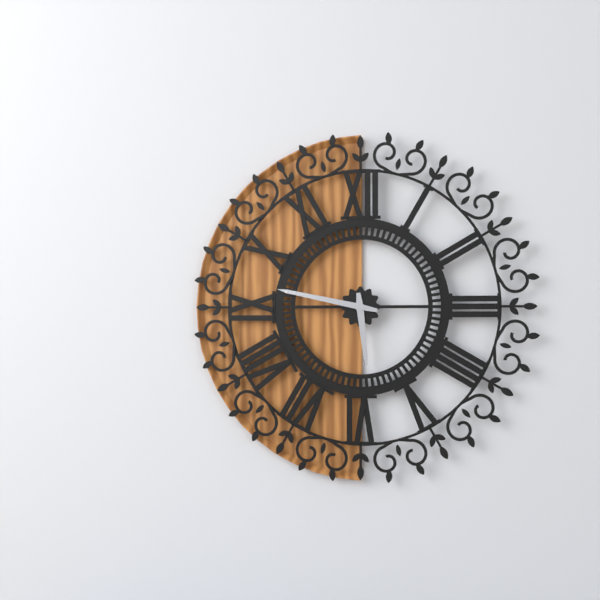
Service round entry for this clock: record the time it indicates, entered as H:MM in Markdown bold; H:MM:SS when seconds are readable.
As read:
**5:47**
